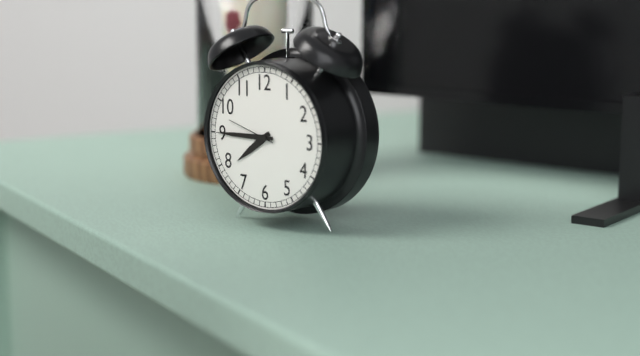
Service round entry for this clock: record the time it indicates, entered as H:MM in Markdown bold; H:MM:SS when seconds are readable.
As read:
**7:45:48**
